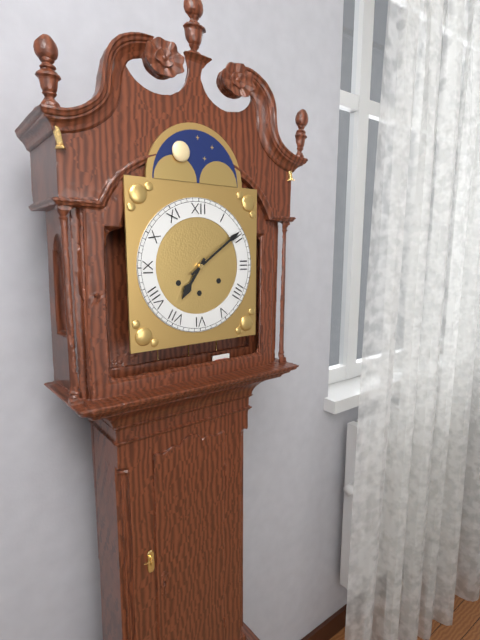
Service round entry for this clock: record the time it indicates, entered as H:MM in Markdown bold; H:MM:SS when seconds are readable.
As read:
**7:09**
